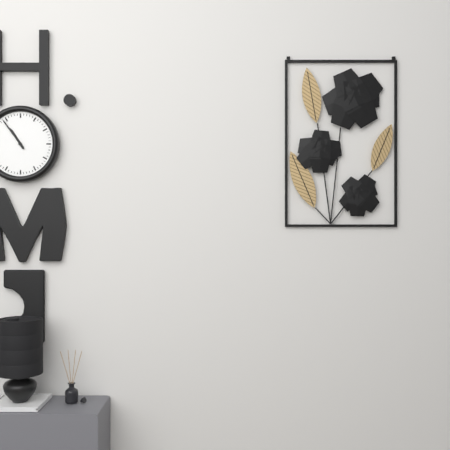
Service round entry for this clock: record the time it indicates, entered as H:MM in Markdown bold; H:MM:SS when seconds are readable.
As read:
**10:54**
